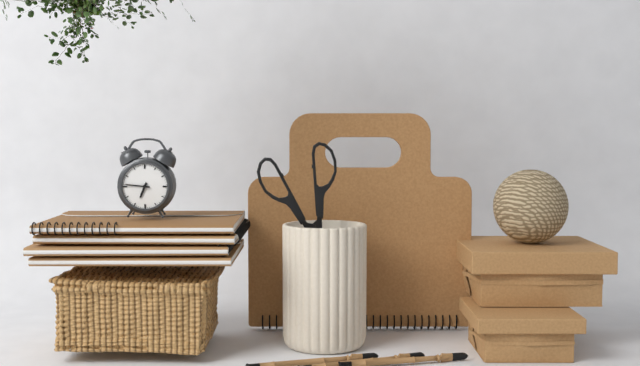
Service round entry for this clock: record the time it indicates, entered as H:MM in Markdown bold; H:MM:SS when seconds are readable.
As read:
**6:46**
